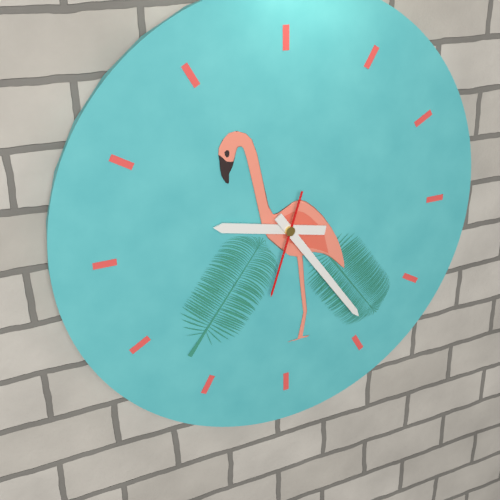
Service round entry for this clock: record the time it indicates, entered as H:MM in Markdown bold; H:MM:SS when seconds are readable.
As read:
**9:24:33**
